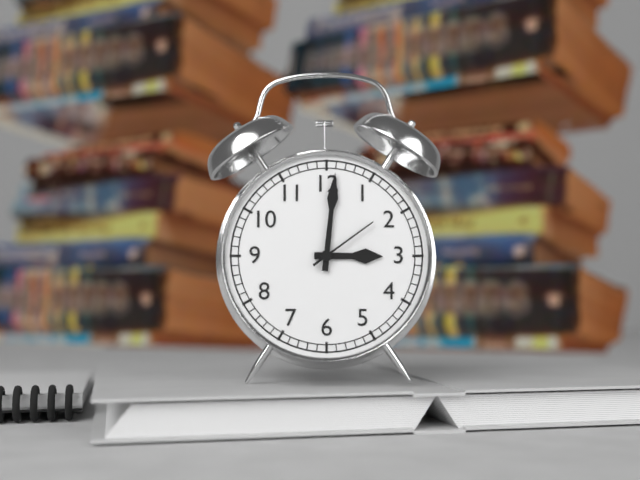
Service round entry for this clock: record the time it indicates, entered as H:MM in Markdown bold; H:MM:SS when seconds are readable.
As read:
**3:01:09**
